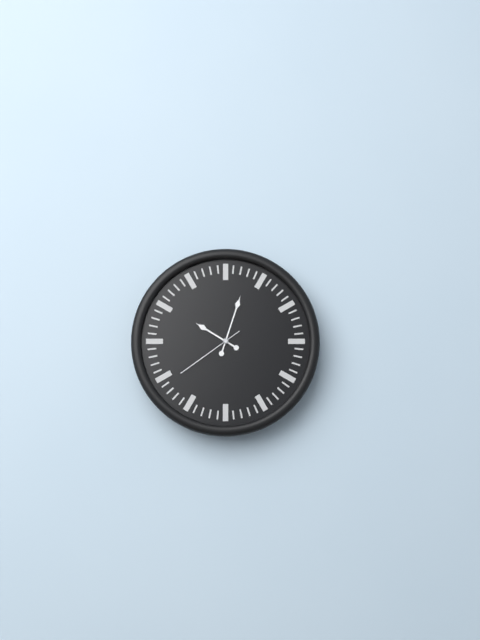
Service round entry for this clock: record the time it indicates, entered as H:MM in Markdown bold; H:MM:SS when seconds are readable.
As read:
**10:03:39**
